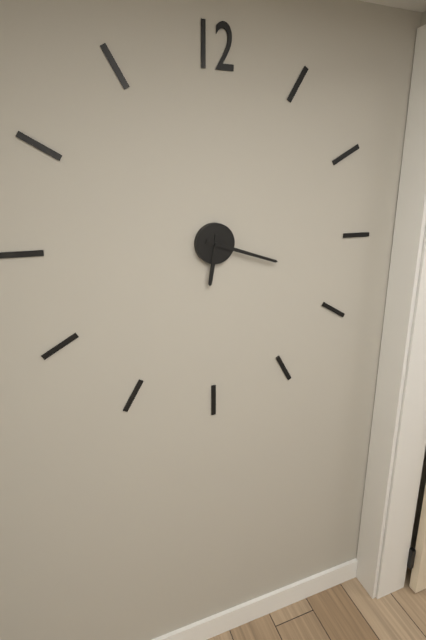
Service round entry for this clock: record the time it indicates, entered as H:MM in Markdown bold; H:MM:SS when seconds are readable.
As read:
**6:18**
